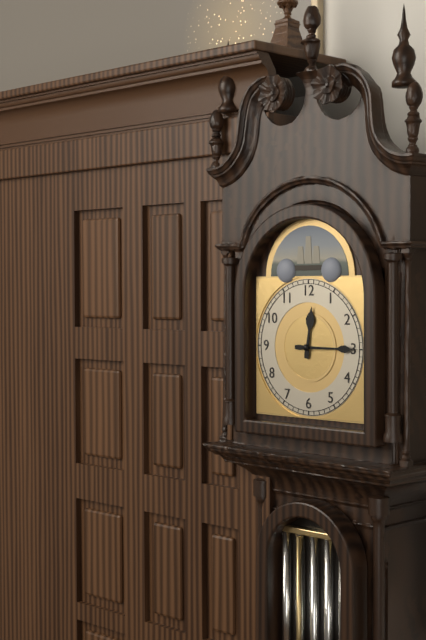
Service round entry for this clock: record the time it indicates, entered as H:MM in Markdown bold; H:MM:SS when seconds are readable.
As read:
**12:15**
